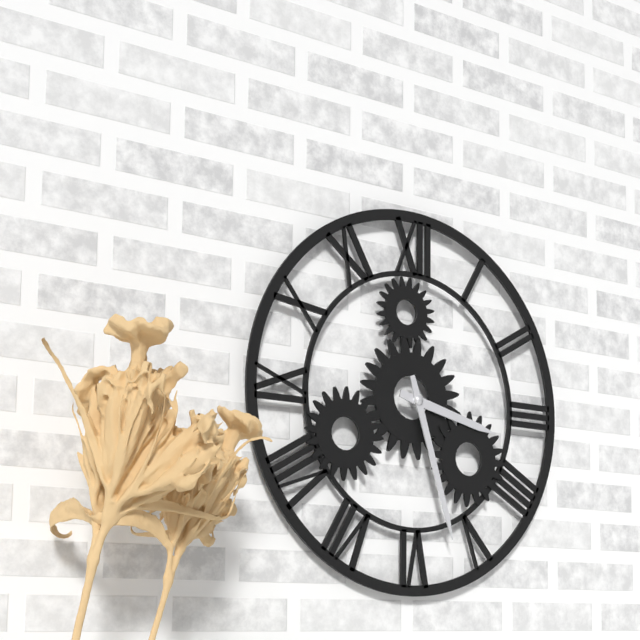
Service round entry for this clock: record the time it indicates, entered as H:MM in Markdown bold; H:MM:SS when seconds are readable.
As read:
**3:27**
